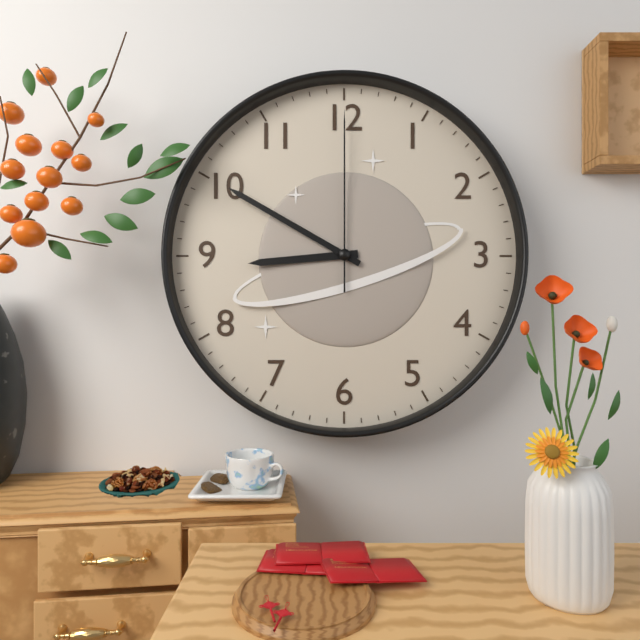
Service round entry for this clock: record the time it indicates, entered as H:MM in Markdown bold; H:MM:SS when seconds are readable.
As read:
**8:50:00**
